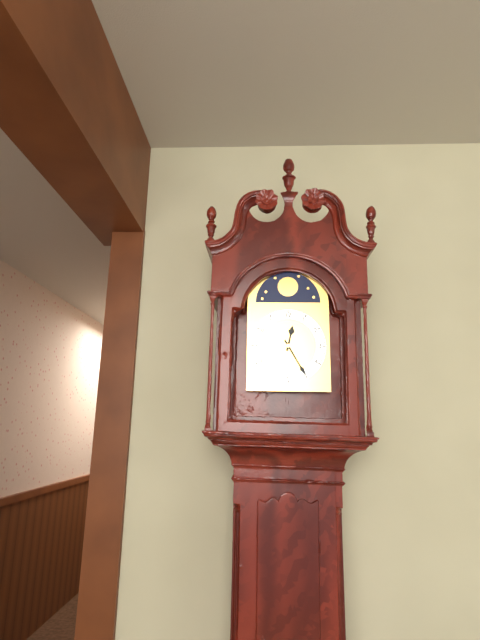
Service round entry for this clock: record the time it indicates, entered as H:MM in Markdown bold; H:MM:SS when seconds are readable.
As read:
**12:25**
